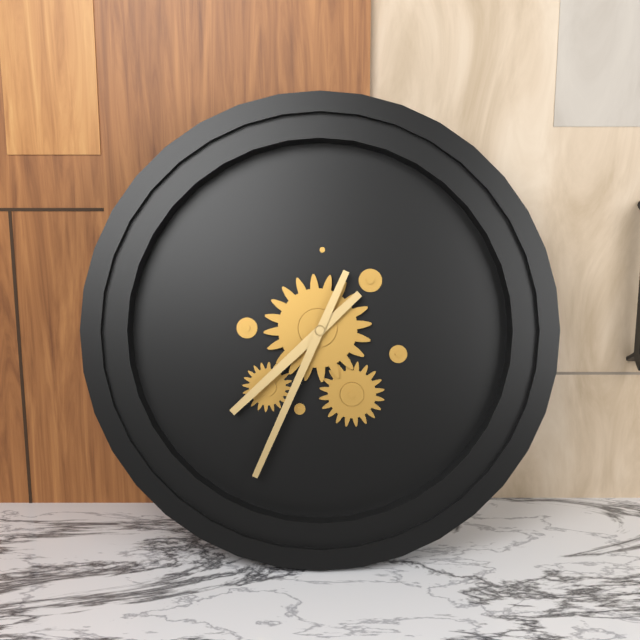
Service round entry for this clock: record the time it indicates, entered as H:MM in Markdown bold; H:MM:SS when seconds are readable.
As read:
**7:34**
